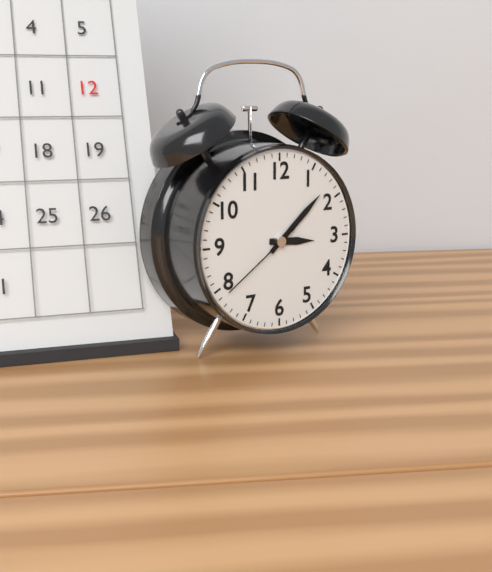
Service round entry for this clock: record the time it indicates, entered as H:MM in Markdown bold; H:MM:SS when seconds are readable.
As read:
**3:08:39**
